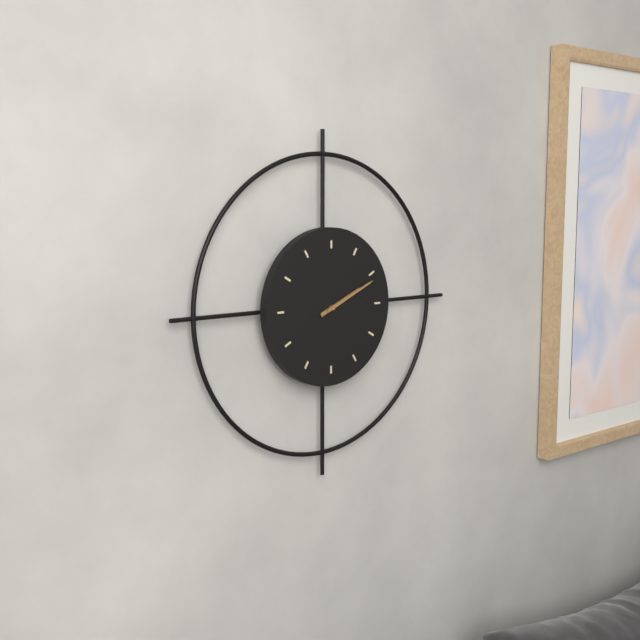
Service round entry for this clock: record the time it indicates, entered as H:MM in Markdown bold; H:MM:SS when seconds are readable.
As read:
**2:11**
